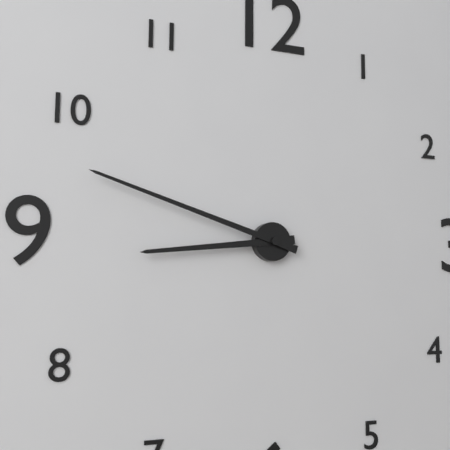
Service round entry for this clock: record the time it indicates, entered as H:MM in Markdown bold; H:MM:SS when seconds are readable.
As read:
**8:48**
